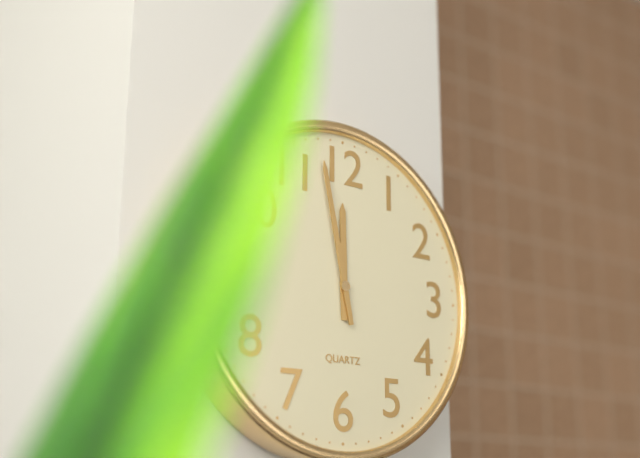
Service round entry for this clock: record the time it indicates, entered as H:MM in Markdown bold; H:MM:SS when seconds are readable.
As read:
**11:58**
